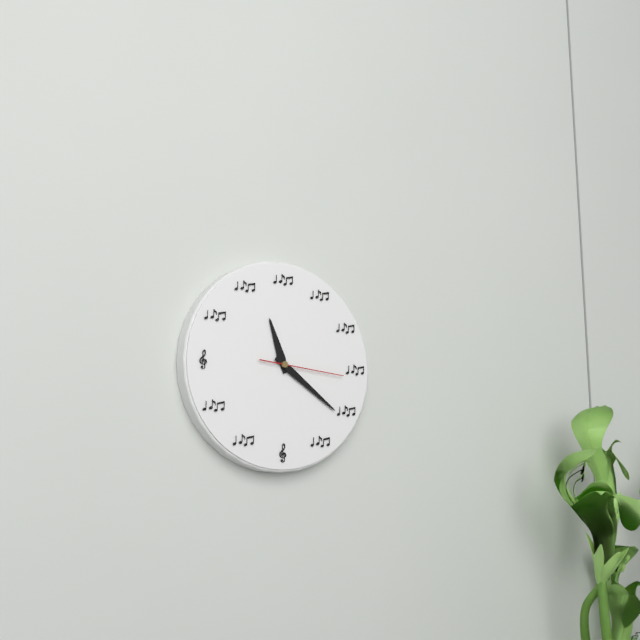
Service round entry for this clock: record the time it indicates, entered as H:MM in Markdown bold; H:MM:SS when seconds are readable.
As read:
**11:21:16**
